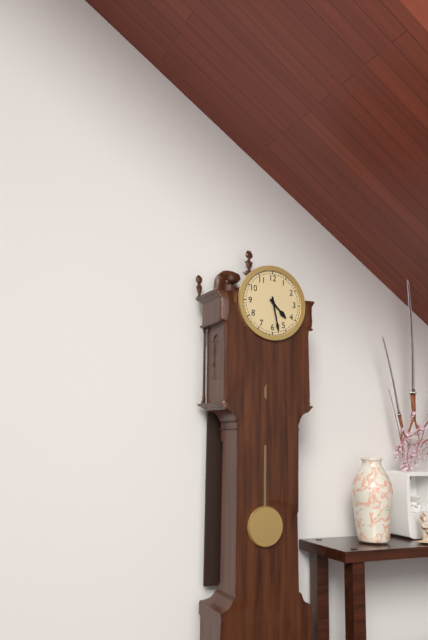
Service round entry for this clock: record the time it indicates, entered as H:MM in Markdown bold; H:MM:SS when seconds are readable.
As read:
**4:28**
